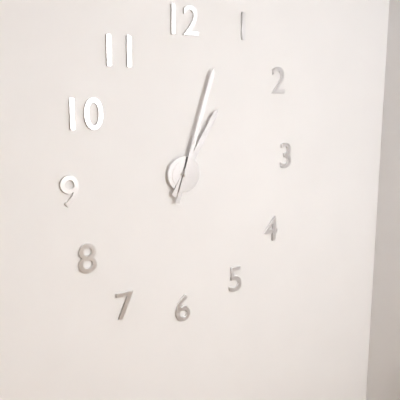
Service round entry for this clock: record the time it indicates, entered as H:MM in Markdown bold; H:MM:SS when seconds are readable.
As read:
**1:03**
